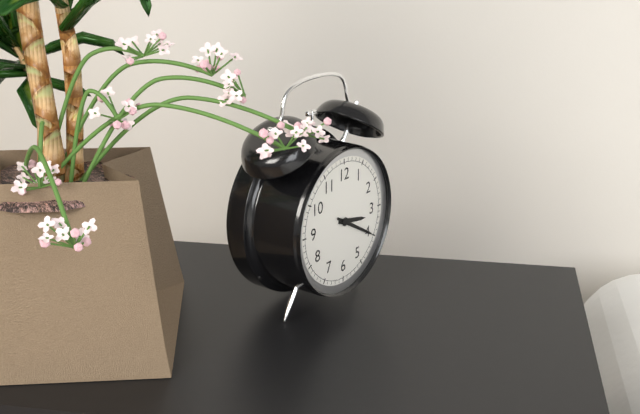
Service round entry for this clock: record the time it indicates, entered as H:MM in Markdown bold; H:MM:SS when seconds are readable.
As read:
**3:20**
